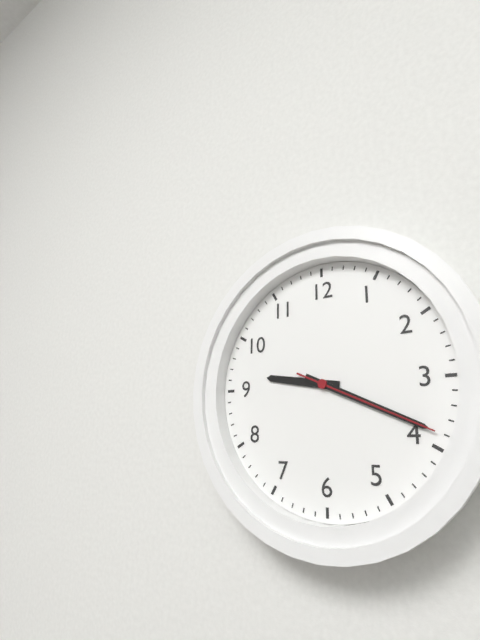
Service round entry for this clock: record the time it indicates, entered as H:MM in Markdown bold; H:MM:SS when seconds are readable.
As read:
**9:19:19**
